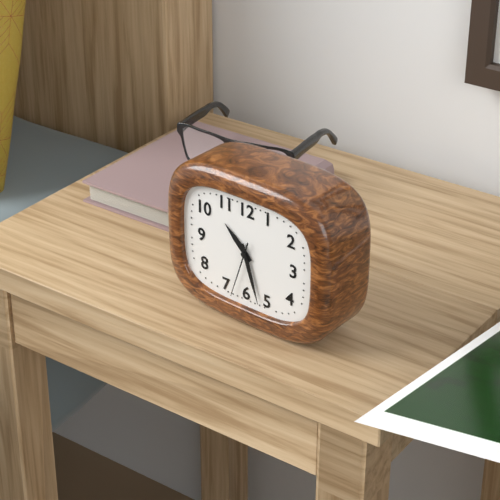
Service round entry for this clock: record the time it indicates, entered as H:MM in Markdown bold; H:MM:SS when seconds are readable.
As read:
**10:27:33**
